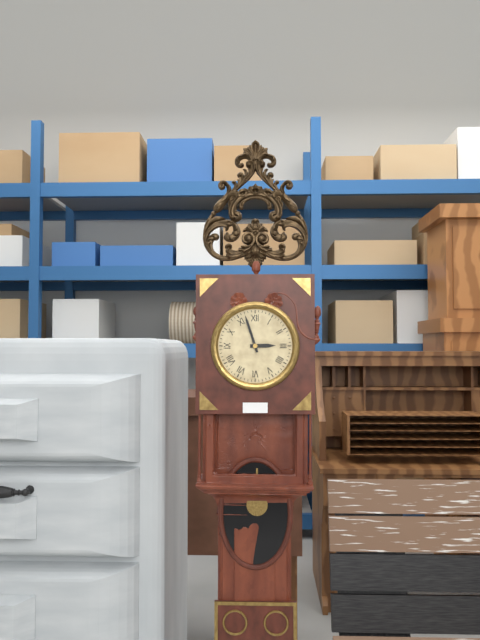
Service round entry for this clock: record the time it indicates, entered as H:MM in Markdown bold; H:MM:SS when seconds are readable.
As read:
**2:57**
